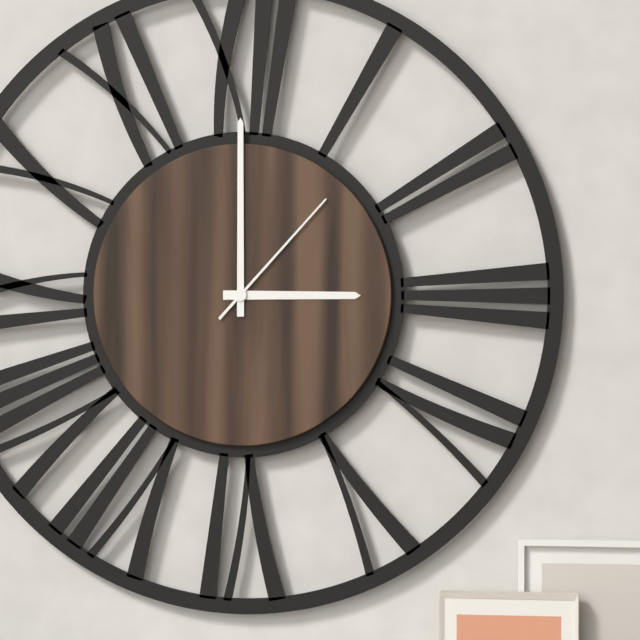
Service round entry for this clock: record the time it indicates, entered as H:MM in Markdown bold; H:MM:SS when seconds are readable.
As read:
**3:00:07**
